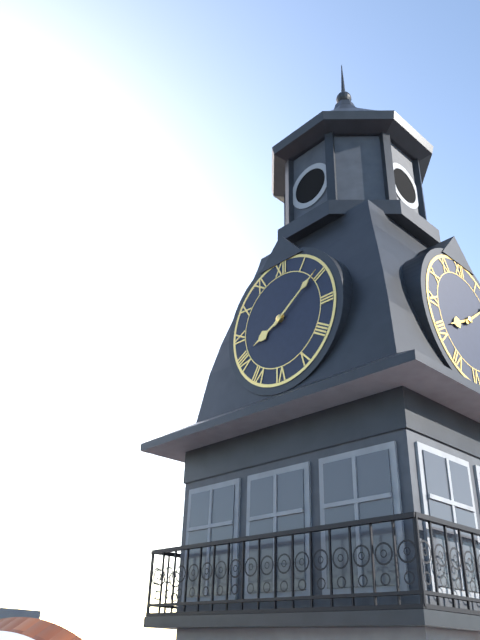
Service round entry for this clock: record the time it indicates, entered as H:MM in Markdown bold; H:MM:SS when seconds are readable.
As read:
**8:09**
